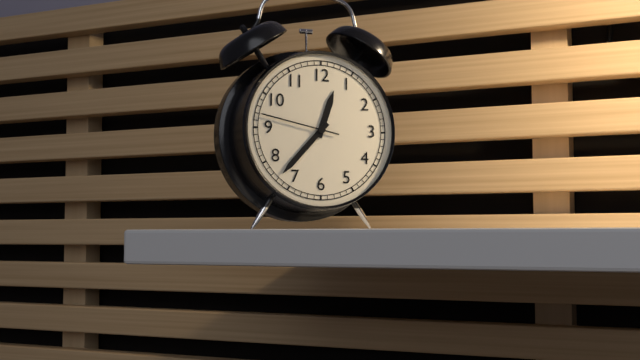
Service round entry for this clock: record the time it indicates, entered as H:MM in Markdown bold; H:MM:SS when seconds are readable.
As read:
**12:37:47**
